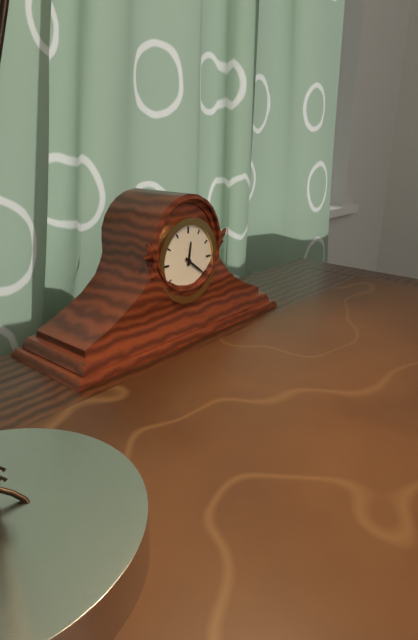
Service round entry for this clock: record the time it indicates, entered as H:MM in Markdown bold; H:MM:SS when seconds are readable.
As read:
**12:21**
